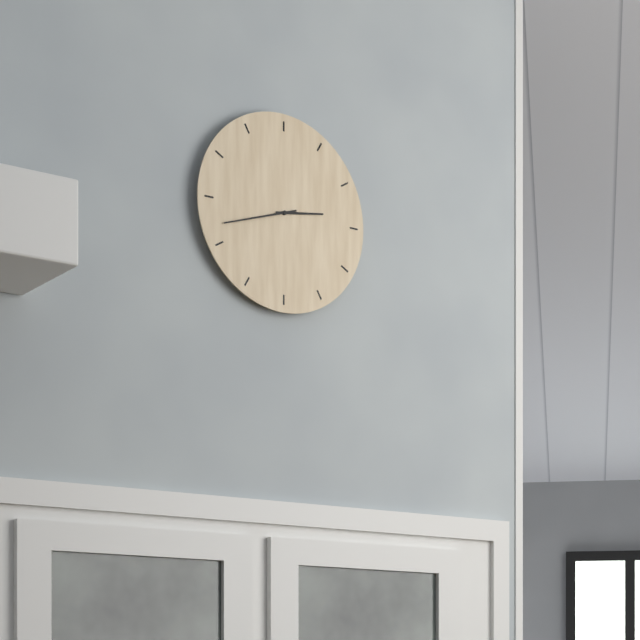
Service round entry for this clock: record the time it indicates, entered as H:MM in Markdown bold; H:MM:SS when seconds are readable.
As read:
**2:42**
